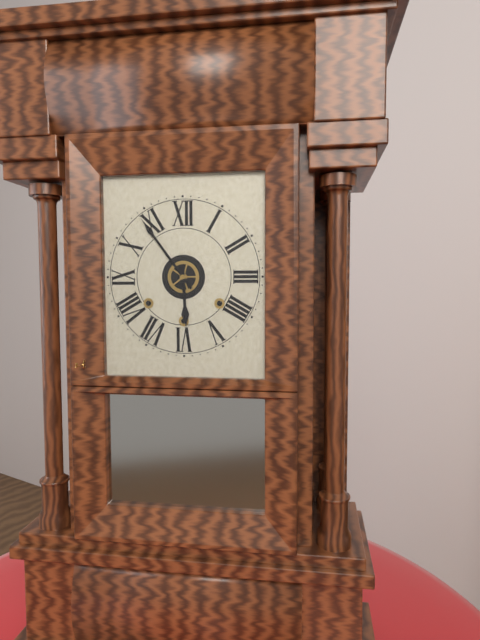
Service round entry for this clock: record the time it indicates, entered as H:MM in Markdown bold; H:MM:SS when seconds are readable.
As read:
**5:54**
